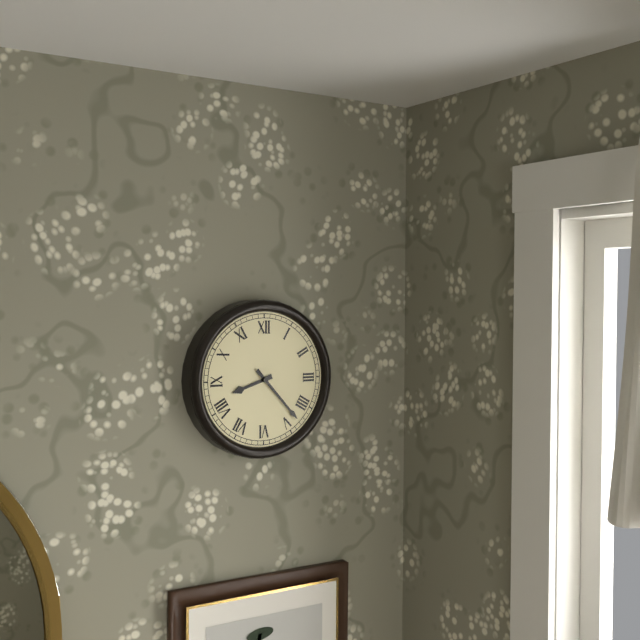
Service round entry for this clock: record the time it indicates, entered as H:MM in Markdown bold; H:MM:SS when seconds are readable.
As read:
**8:23**
